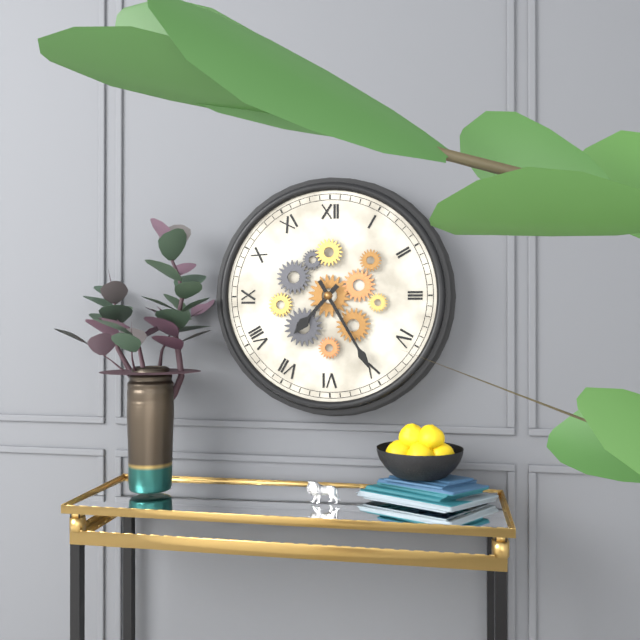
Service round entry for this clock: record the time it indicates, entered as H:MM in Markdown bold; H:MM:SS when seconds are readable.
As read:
**7:25**
